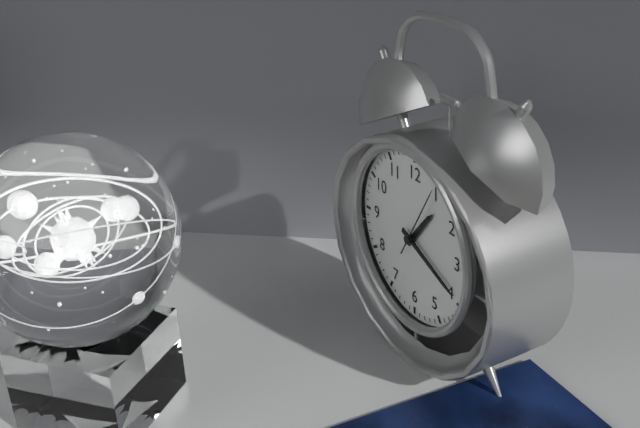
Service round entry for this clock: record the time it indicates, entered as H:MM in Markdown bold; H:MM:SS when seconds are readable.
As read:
**1:19:05**
